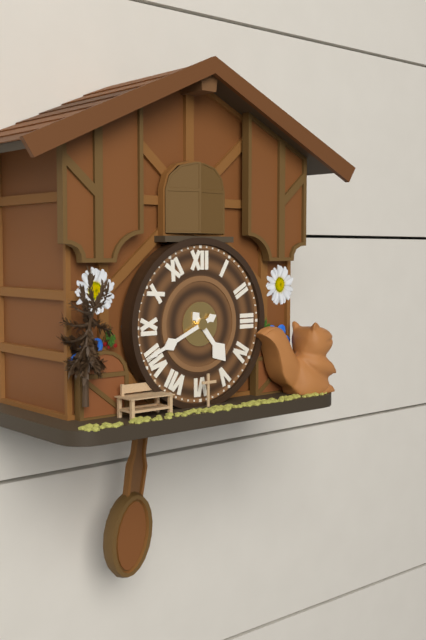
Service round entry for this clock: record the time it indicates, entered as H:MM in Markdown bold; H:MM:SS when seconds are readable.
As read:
**4:41**
